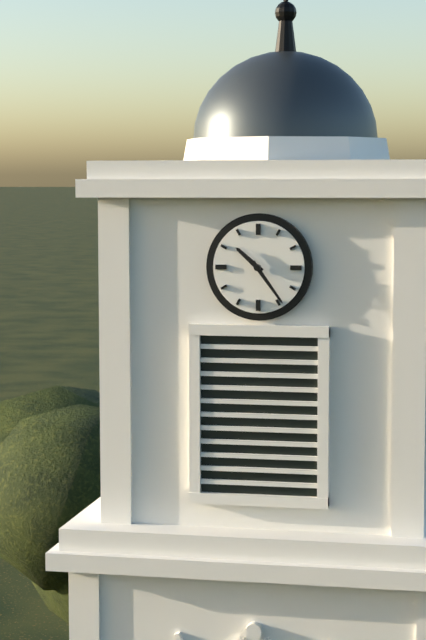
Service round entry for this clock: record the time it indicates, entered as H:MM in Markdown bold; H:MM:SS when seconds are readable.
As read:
**10:24**
